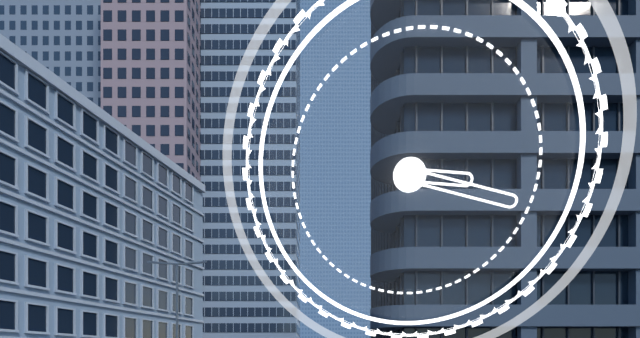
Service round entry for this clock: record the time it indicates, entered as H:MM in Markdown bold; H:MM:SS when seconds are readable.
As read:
**3:18**
